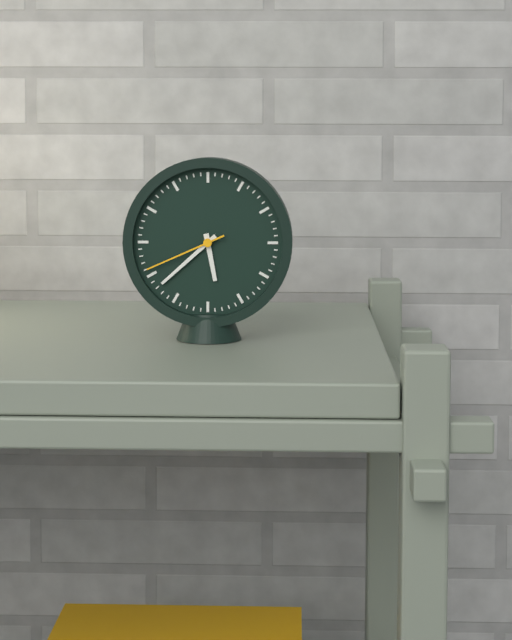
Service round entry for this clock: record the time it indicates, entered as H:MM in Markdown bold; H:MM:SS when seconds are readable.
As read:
**5:38:41**
